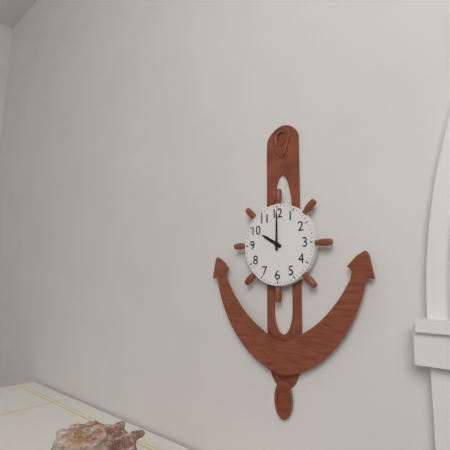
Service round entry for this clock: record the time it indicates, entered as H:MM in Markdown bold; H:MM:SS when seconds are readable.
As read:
**10:00**
